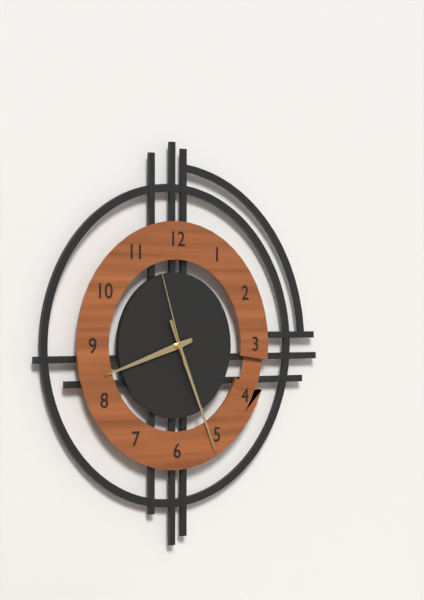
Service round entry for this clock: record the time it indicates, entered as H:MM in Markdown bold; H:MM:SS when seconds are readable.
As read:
**8:26:57**
